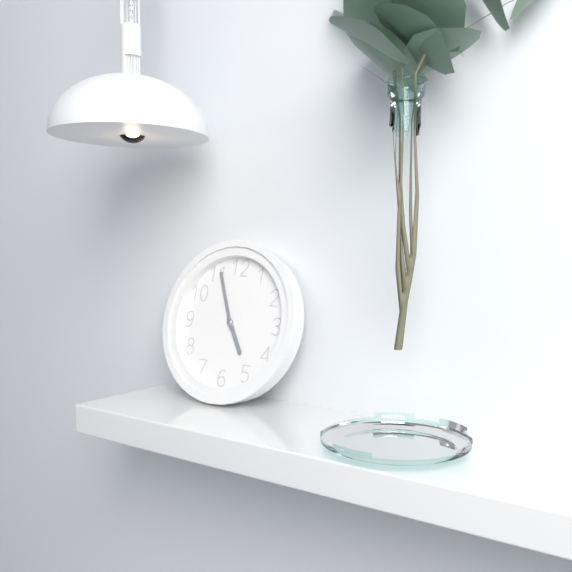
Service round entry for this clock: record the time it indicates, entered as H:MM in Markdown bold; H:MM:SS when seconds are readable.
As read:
**4:56**
